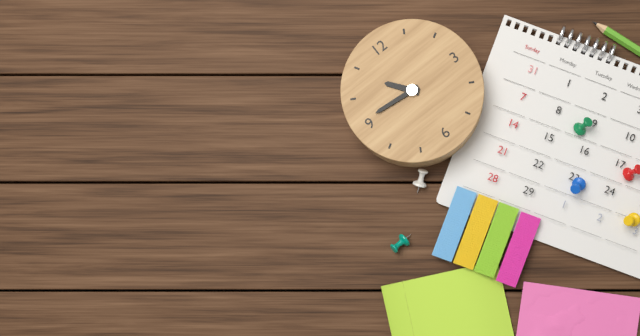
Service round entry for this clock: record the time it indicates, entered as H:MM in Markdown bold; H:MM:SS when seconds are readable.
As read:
**10:46**
